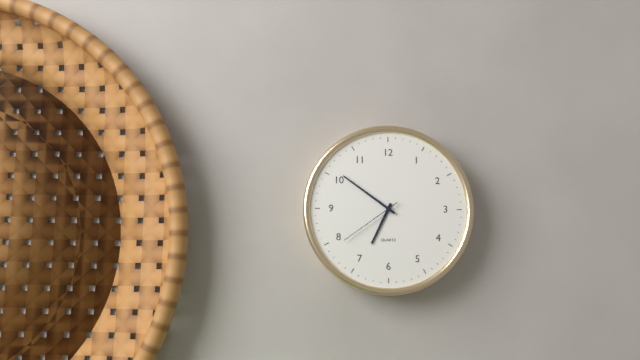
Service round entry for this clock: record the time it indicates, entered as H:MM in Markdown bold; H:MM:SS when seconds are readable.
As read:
**6:51:39**
